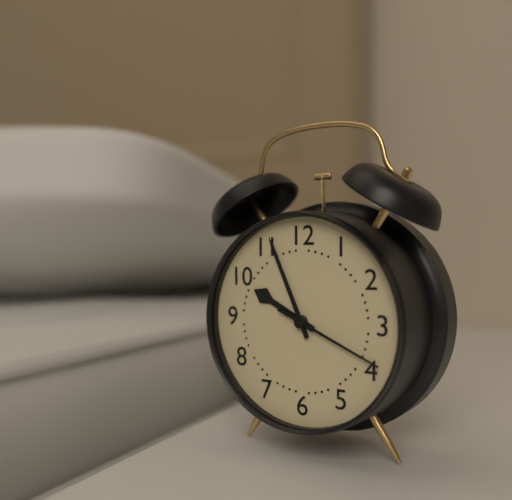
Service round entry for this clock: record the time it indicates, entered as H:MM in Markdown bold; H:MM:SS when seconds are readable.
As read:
**9:56:19**
